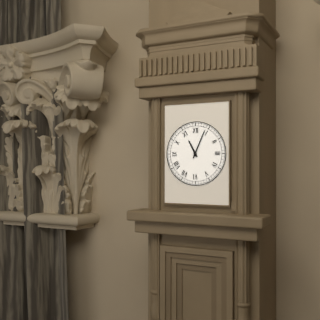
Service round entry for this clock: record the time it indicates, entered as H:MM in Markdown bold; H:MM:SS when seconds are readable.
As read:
**11:04**
